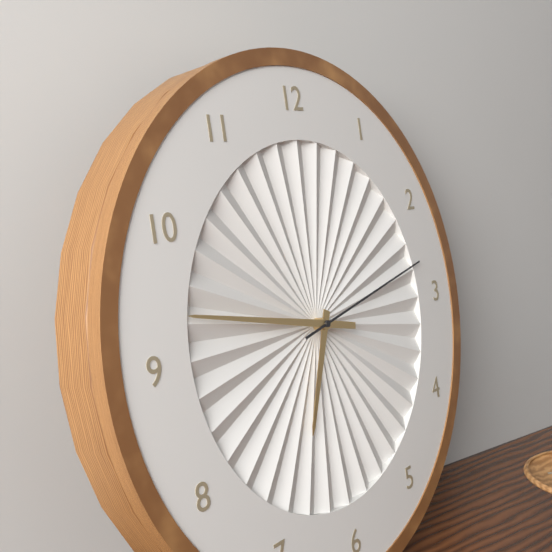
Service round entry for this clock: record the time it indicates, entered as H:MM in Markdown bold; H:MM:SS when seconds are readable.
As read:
**6:47:13**
